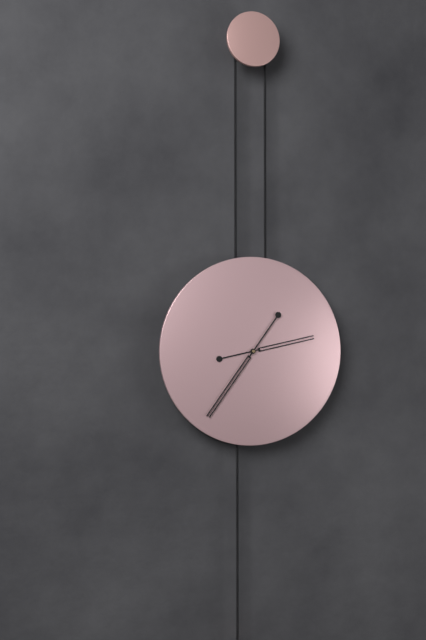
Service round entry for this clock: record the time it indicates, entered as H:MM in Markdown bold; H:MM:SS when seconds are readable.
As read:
**2:36**
